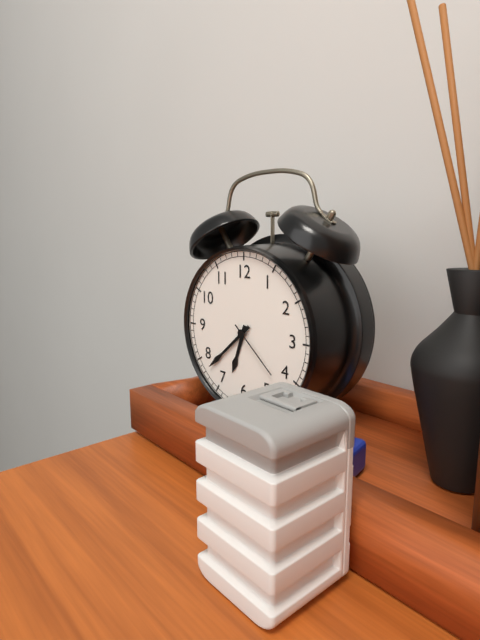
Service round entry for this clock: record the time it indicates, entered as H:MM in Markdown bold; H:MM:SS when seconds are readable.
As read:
**6:38:22**
